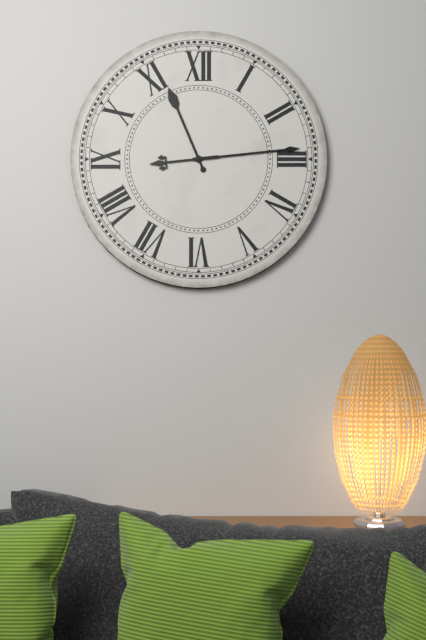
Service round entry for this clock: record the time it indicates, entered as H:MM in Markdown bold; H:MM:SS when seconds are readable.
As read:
**11:14**
